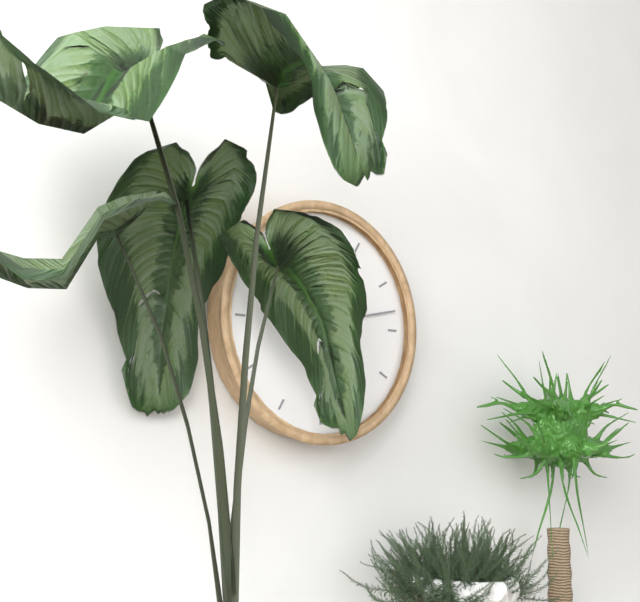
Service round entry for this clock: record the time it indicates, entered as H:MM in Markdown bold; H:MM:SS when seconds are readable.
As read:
**4:13**
